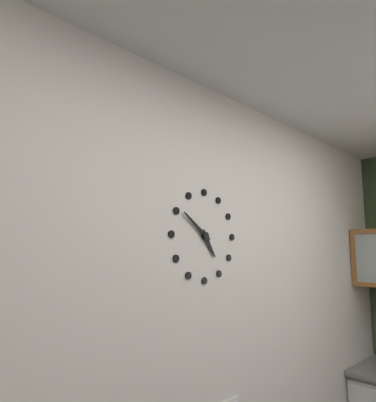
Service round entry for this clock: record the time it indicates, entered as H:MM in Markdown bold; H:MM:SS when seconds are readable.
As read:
**4:51**
